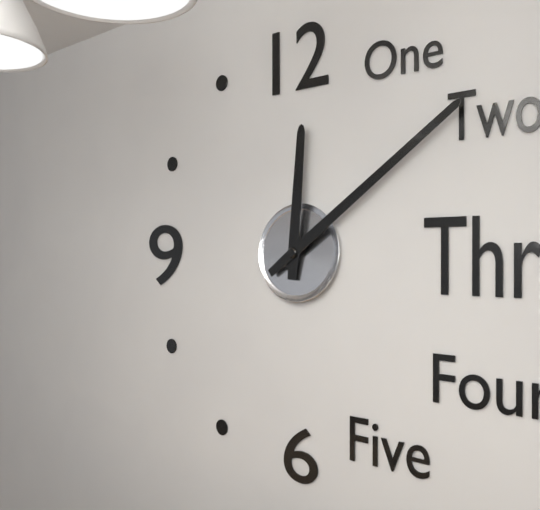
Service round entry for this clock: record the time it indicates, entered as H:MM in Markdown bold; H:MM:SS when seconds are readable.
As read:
**12:09**
